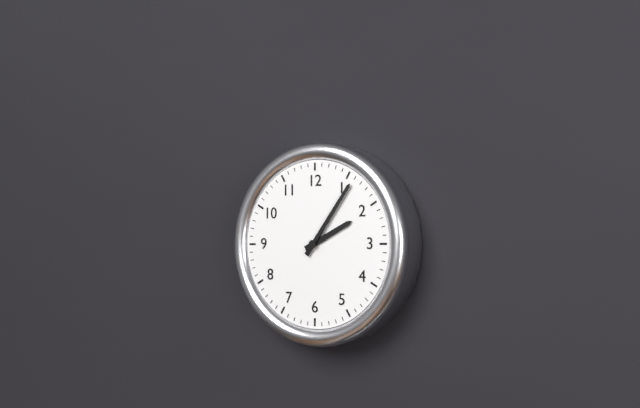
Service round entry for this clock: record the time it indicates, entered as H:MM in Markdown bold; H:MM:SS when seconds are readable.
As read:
**2:06**
